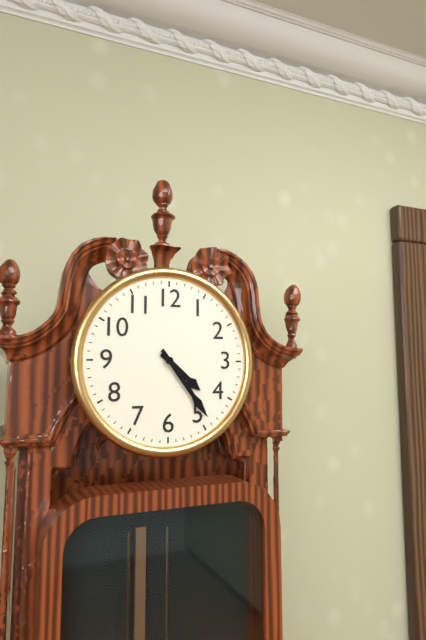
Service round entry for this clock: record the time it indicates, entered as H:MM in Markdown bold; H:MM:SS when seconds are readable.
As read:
**4:24**
